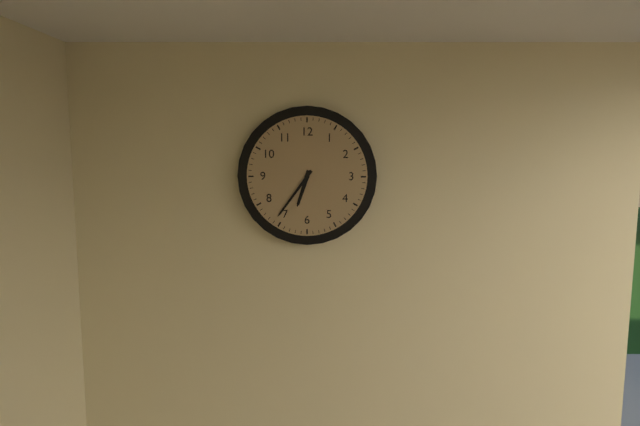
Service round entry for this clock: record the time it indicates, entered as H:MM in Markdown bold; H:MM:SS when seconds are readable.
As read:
**6:36**
